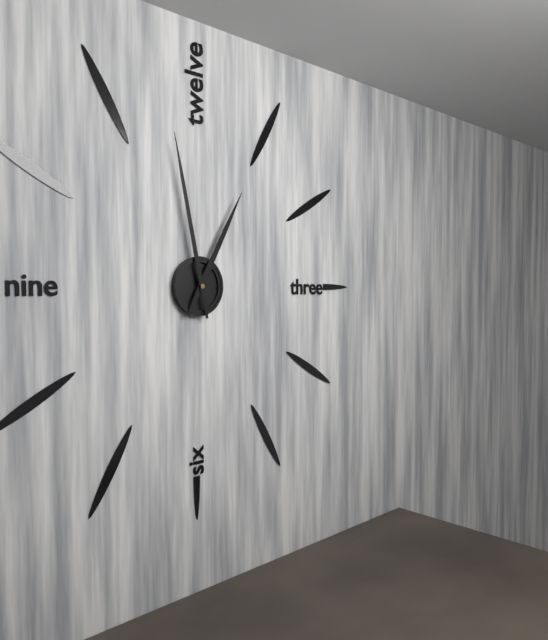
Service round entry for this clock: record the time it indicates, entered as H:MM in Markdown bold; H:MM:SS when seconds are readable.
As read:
**12:58**
